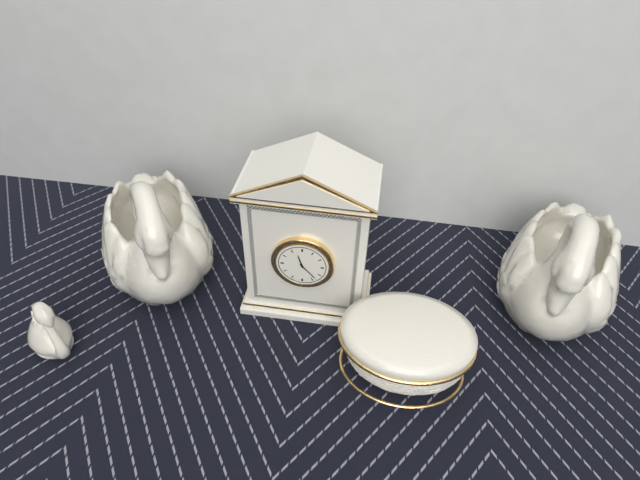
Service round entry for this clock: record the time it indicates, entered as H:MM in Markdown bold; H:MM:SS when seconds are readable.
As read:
**11:23**
